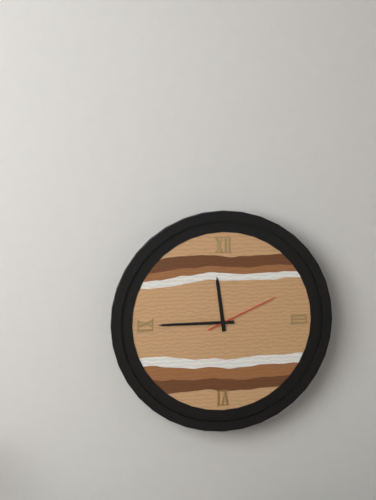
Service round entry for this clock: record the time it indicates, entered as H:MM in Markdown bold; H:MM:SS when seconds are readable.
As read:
**11:45:11**
